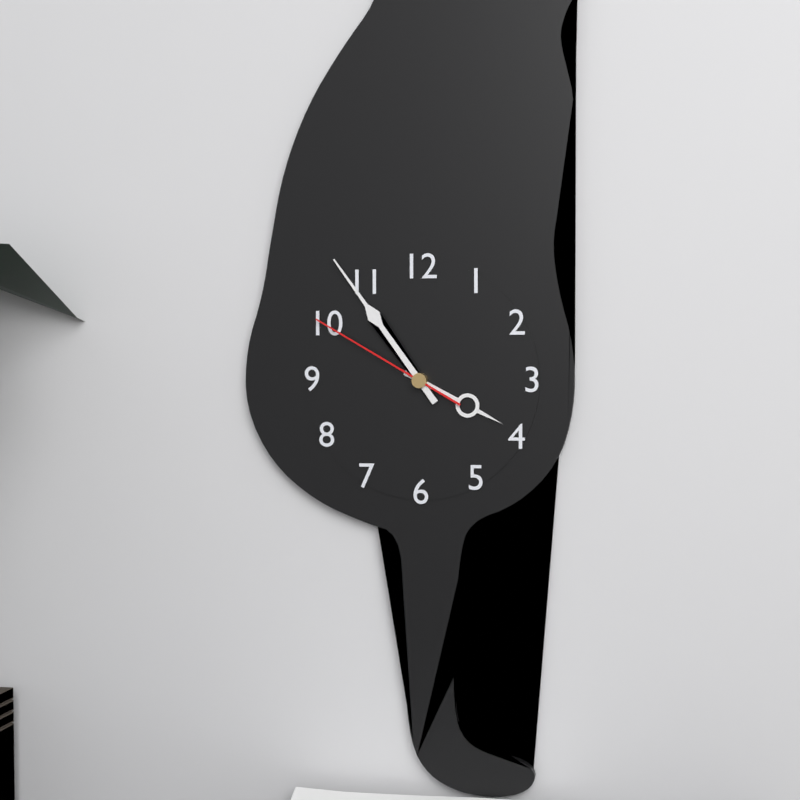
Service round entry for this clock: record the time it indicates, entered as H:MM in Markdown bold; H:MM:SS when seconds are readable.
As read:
**3:54:50**
